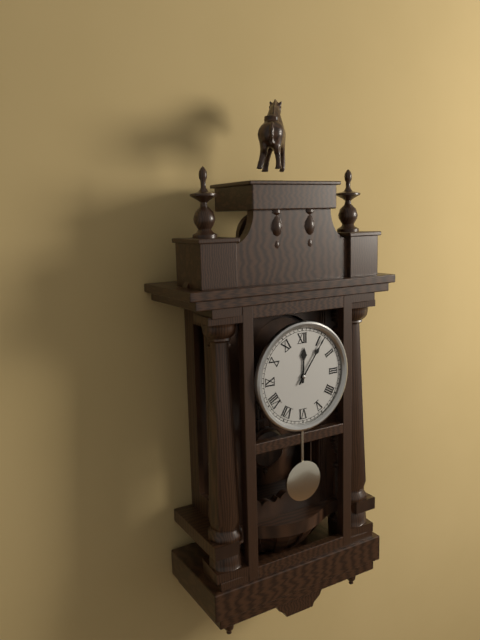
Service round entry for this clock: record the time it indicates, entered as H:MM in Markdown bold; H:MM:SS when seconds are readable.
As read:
**12:06**
